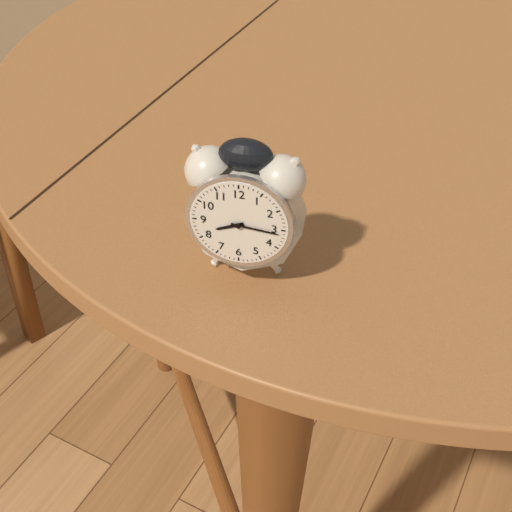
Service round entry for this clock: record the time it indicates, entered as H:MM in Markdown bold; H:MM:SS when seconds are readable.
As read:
**8:16**
